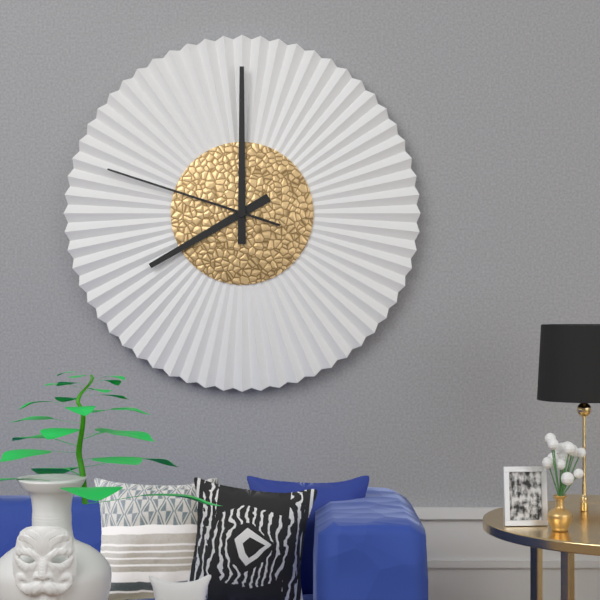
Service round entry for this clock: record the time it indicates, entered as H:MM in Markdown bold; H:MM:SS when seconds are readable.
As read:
**8:00:48**
